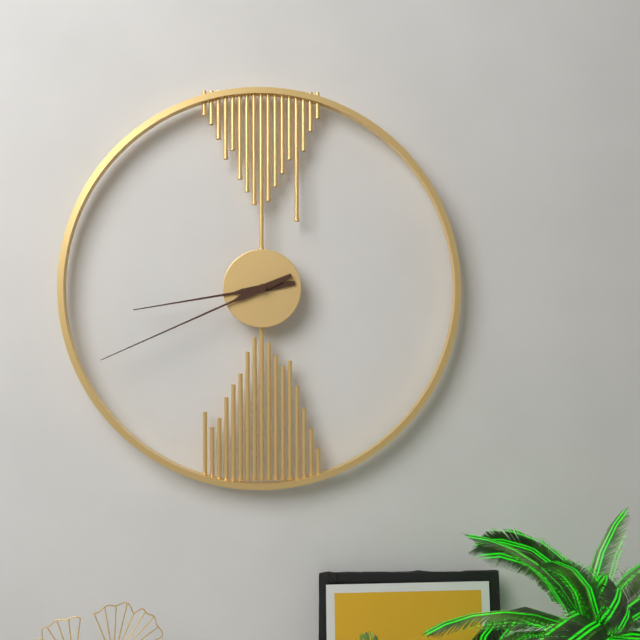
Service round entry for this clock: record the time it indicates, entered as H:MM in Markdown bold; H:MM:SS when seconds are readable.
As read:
**8:41**
